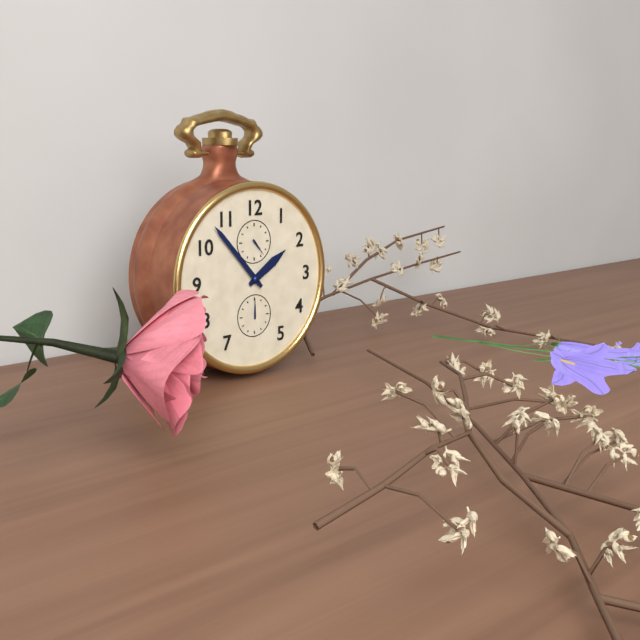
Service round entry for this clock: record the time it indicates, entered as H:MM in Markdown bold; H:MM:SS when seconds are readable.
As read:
**1:53**
